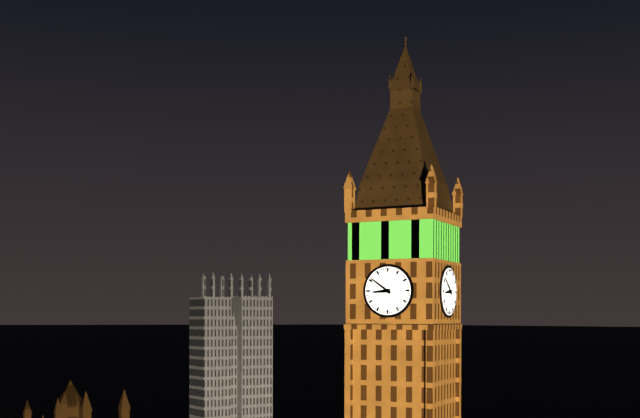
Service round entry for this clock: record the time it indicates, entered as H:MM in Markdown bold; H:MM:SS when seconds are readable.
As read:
**8:51**
